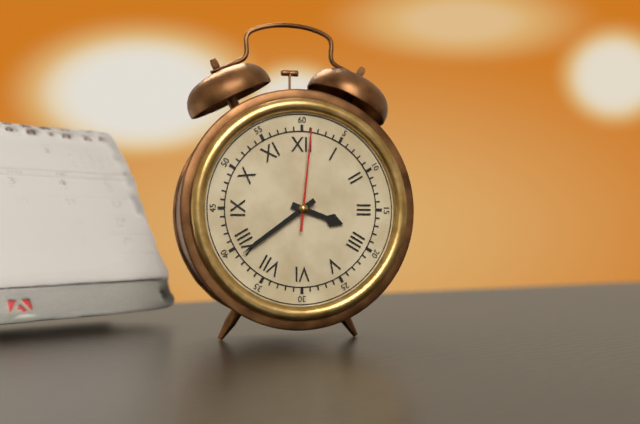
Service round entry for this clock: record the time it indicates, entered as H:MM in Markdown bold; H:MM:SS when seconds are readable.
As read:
**3:39:01**
